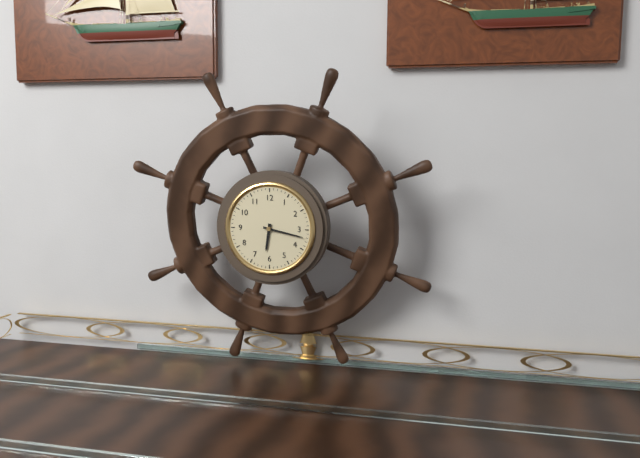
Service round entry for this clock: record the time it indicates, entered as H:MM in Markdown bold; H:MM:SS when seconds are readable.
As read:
**6:17**
